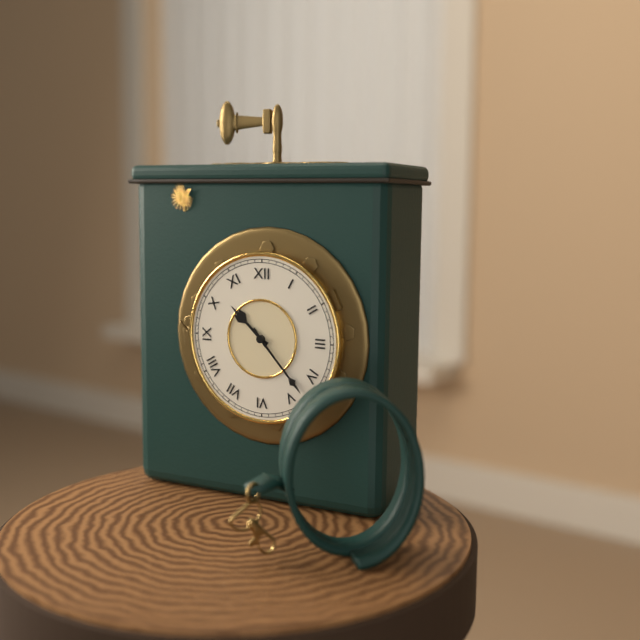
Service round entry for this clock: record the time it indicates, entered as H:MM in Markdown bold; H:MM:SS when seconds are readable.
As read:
**10:23**
